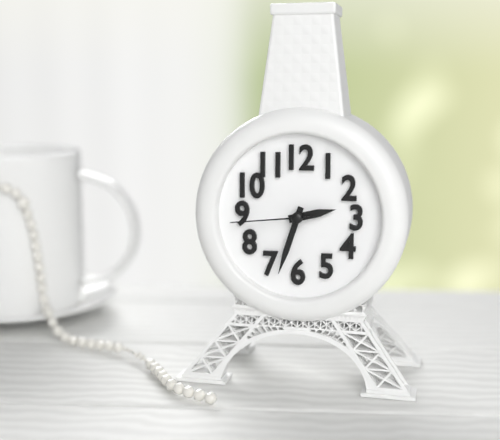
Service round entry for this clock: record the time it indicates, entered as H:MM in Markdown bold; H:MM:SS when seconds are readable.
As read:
**2:33:44**
